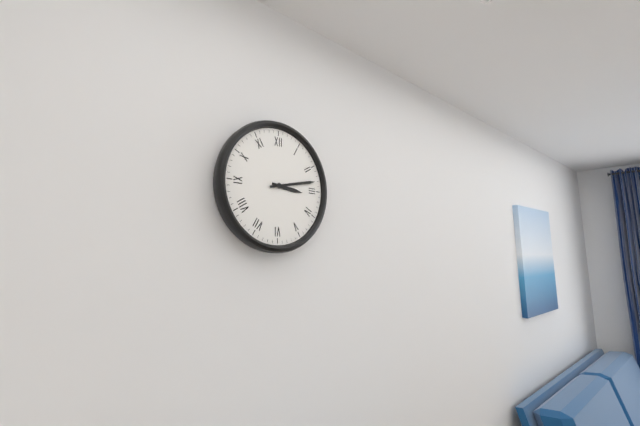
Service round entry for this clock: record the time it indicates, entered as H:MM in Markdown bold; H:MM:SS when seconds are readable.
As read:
**3:13**
